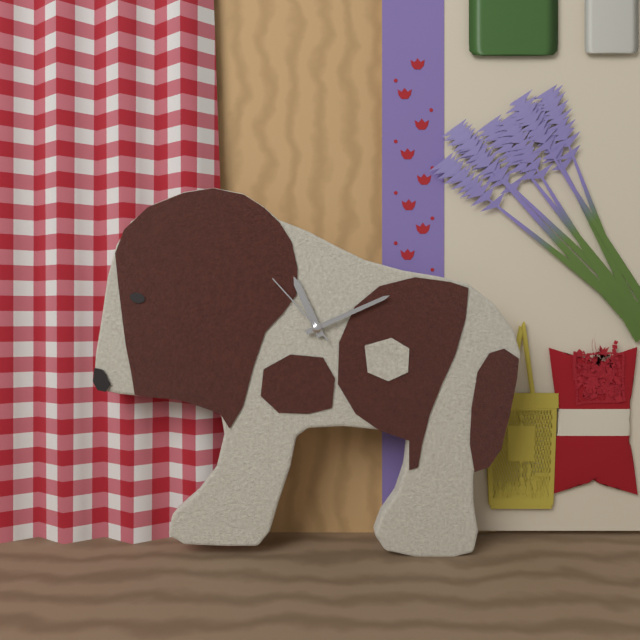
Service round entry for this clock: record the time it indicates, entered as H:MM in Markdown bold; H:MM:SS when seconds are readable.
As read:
**11:11:53**
